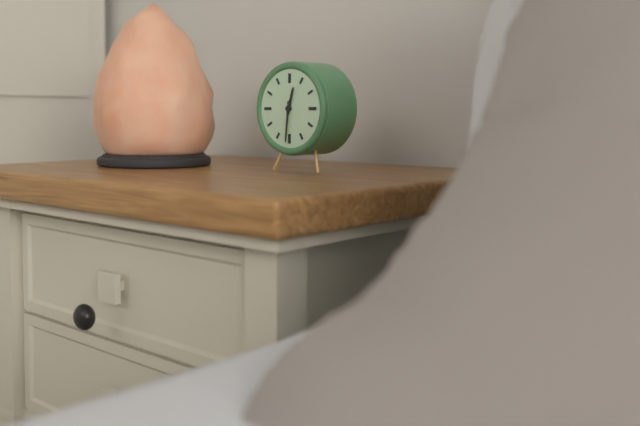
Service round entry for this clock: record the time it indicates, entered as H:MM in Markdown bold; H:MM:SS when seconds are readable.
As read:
**12:31**
